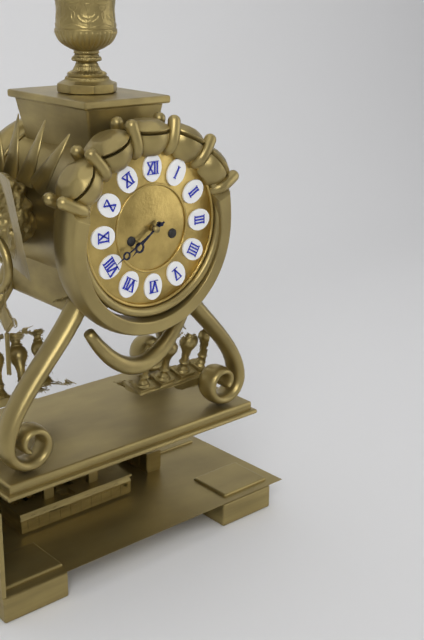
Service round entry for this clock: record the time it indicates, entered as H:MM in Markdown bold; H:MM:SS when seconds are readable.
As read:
**7:40**
